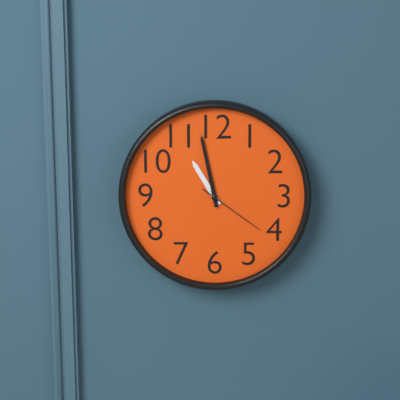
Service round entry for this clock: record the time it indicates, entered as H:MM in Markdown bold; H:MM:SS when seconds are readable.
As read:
**10:58:21**
